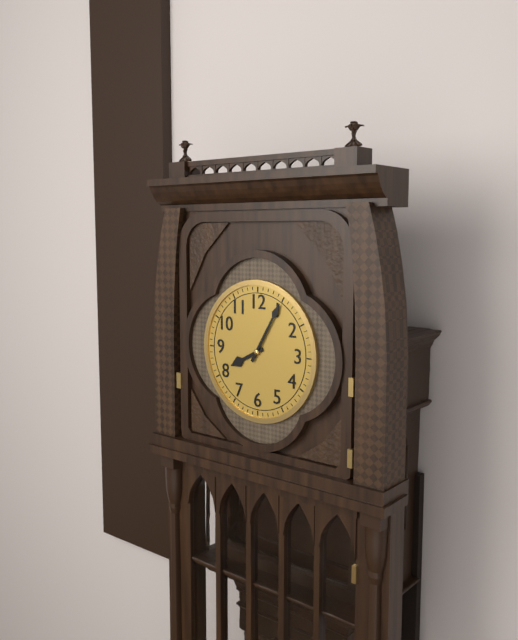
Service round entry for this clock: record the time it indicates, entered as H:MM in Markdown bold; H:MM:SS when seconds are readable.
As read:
**8:05**
